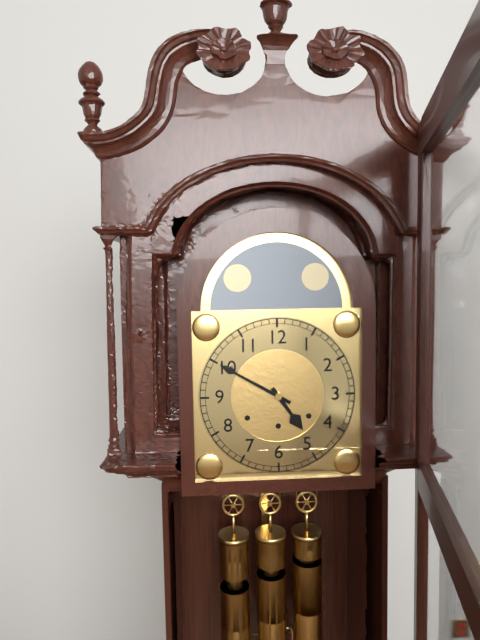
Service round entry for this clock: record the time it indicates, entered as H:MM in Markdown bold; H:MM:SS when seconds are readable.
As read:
**4:50**
